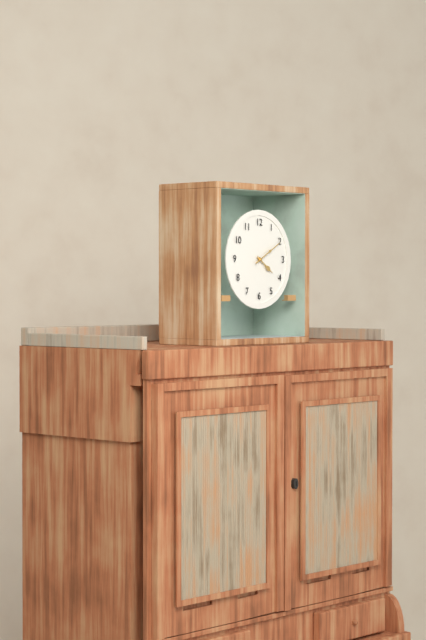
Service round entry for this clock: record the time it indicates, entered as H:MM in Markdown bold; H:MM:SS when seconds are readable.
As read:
**4:10**
